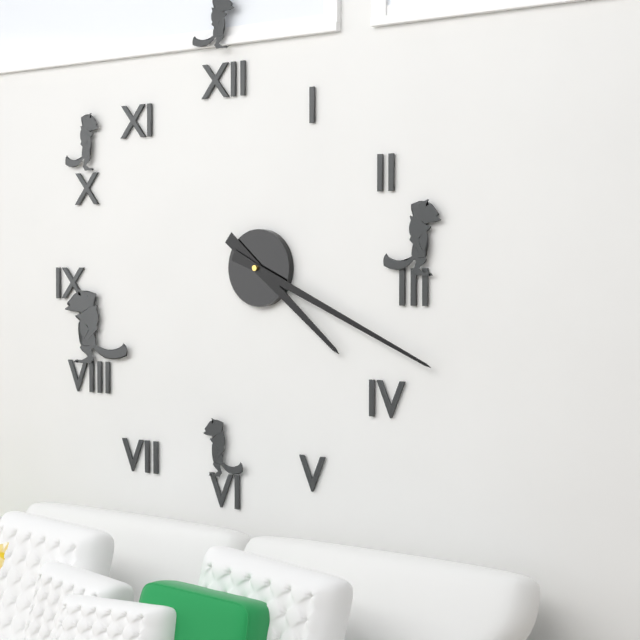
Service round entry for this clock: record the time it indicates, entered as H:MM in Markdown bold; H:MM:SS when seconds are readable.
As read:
**4:19**
